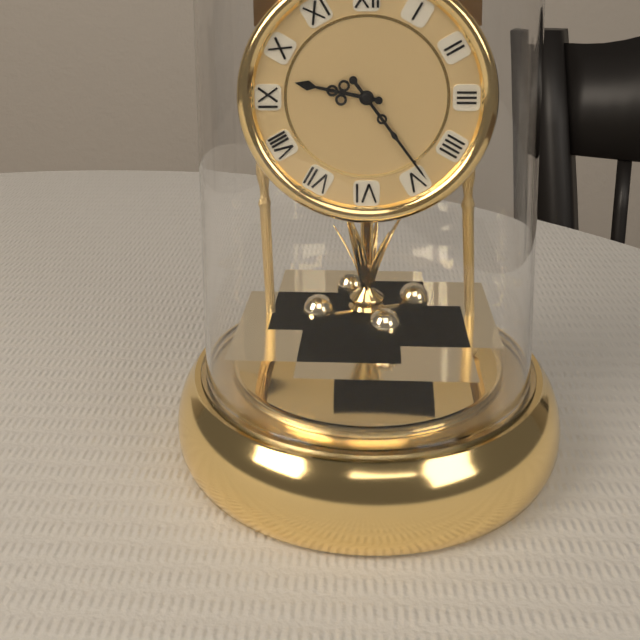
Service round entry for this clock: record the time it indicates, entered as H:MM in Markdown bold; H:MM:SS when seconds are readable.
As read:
**9:24**
